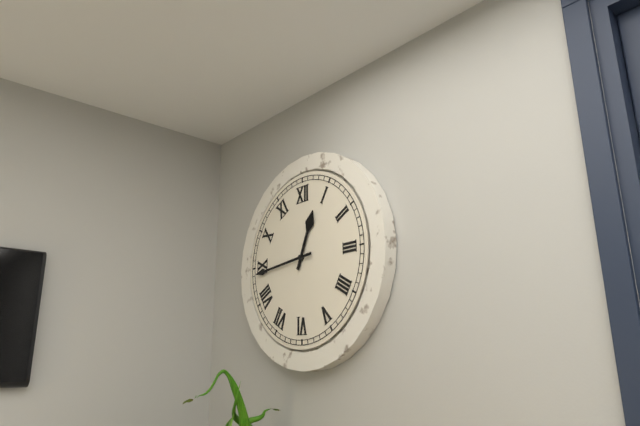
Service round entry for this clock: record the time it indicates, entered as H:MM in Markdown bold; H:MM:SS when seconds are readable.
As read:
**12:44**
